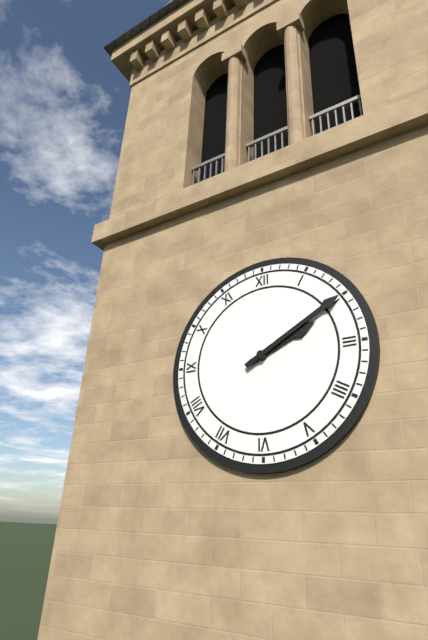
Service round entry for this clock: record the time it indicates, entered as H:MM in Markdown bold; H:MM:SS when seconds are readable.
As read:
**2:10**
